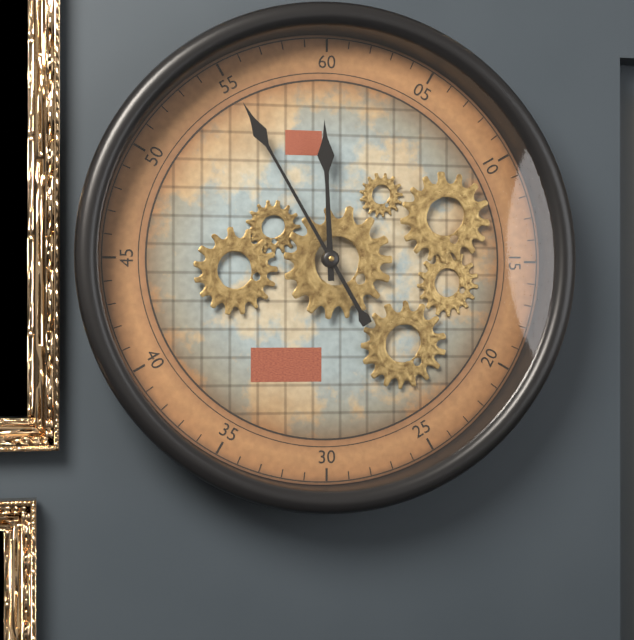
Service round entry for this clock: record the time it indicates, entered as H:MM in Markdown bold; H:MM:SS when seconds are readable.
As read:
**11:55**
